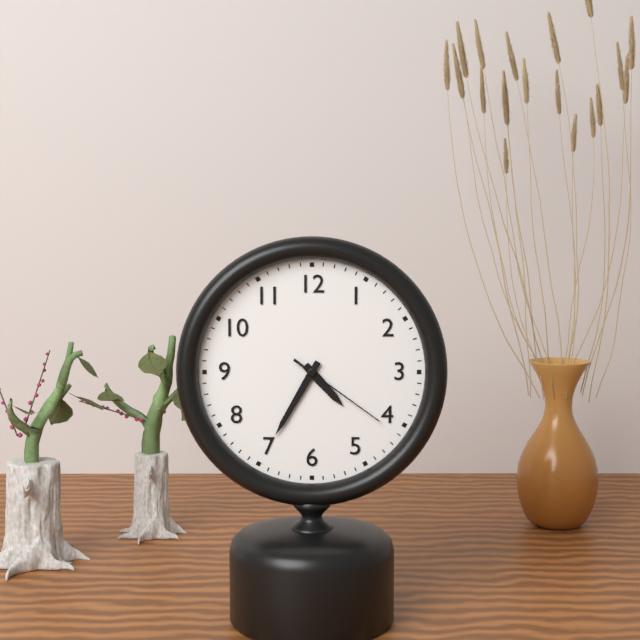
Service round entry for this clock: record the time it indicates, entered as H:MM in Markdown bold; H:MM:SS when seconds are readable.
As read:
**4:35:21**
